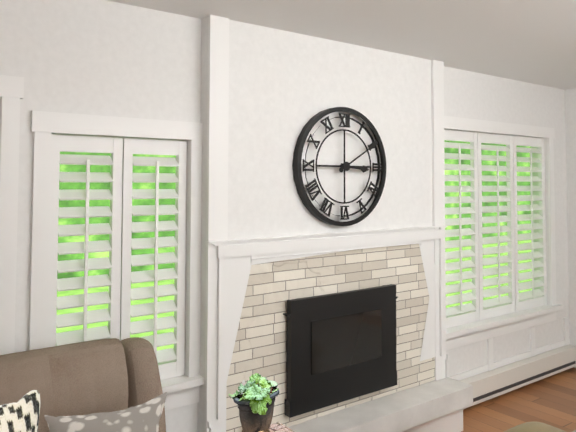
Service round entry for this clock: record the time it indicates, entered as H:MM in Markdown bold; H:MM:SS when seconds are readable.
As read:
**3:10**
